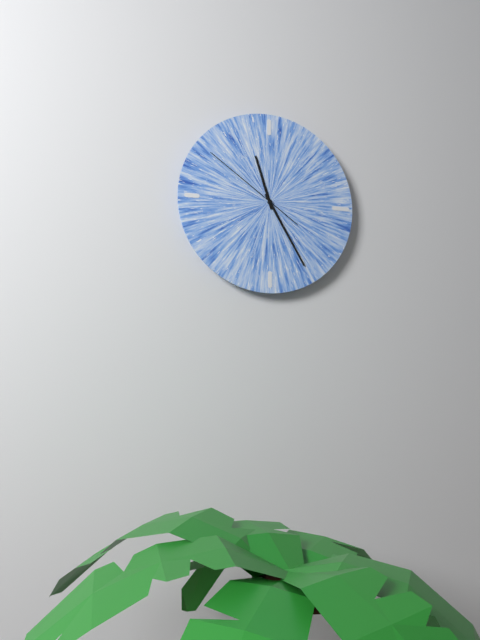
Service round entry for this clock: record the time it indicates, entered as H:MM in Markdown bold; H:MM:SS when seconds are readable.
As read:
**11:25:51**
